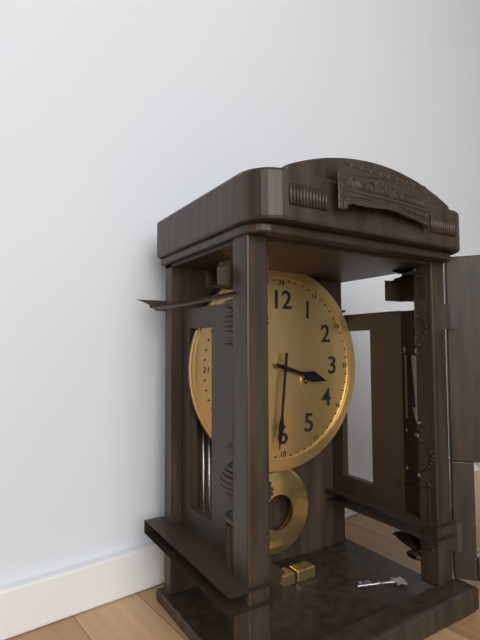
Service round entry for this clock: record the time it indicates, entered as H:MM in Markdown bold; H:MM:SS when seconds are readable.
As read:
**3:31**
